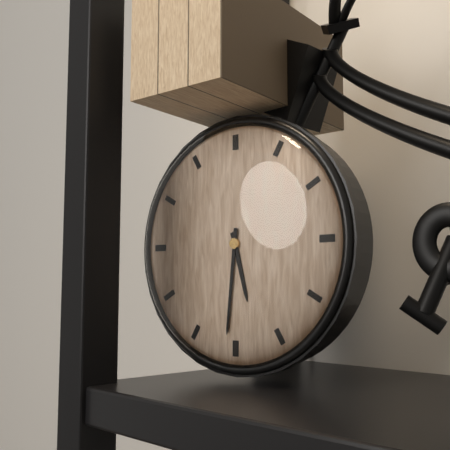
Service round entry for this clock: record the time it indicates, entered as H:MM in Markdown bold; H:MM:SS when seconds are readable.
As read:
**5:31**
